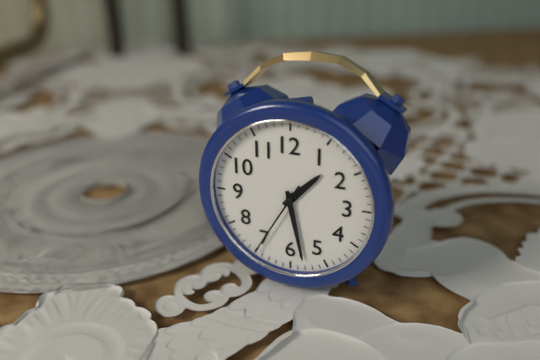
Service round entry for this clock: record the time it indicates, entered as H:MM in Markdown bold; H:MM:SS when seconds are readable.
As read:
**1:28:35**
